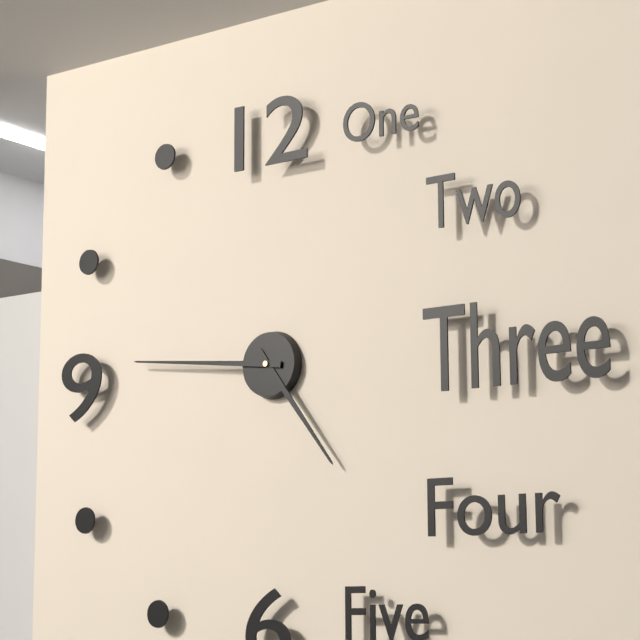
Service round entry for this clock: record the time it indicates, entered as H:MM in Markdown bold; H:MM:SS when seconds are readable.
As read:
**4:46**
